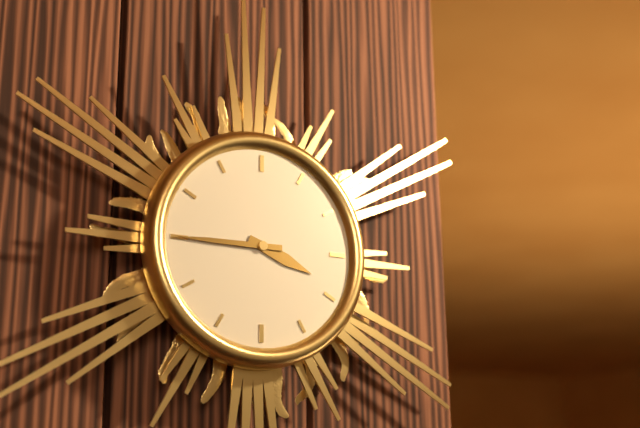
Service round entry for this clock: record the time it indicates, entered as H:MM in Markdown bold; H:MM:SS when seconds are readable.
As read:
**3:45**
